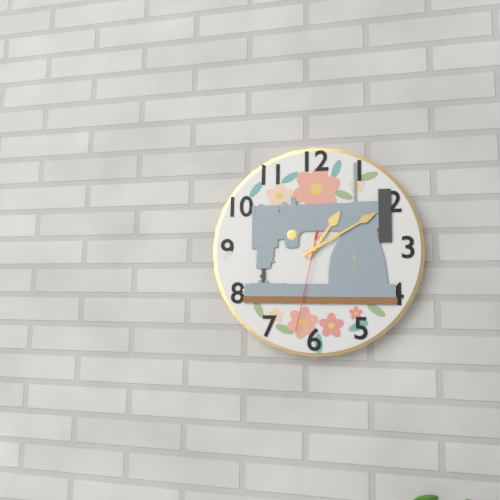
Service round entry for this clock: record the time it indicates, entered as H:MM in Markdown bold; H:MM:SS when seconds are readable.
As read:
**1:10:32**
